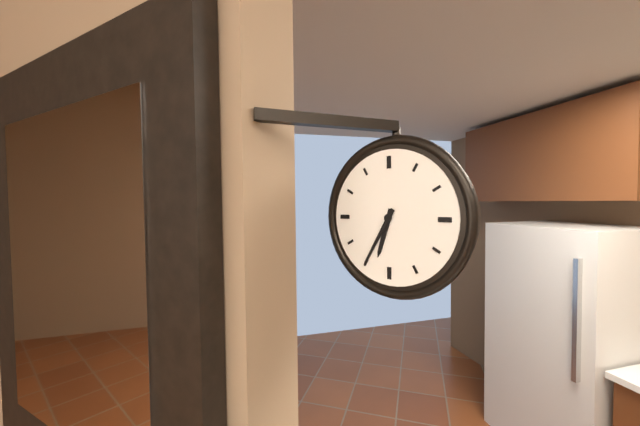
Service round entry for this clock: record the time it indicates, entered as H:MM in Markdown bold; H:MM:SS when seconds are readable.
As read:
**6:35**
